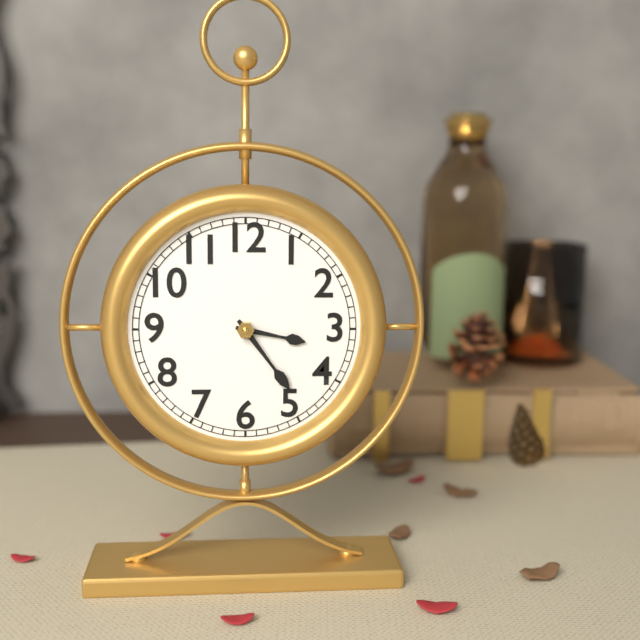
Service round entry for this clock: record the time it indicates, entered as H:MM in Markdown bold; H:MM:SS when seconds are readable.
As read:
**3:24**
